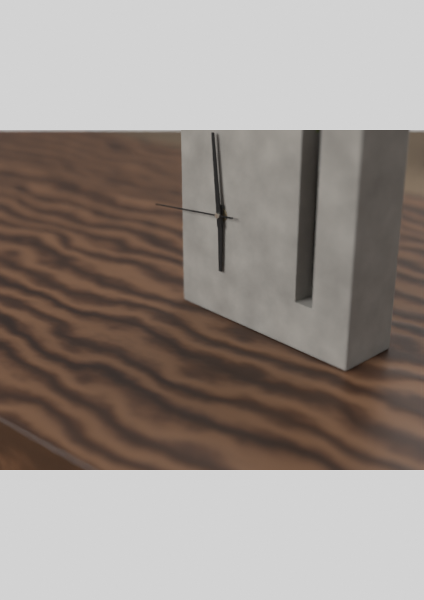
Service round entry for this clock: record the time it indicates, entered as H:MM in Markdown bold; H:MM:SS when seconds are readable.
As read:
**5:59:44**
